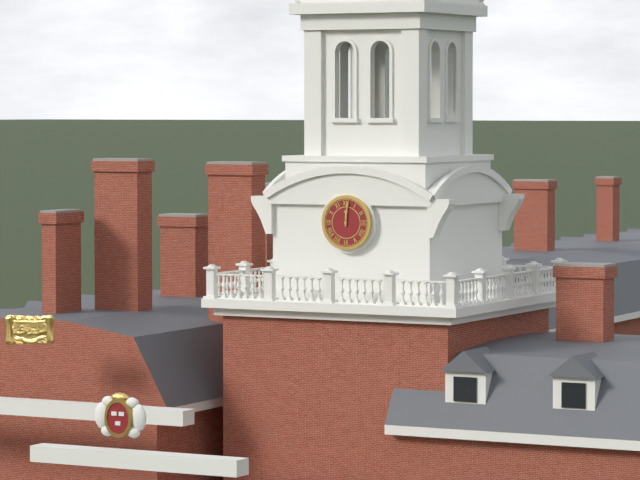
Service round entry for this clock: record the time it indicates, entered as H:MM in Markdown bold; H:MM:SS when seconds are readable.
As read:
**12:01**
